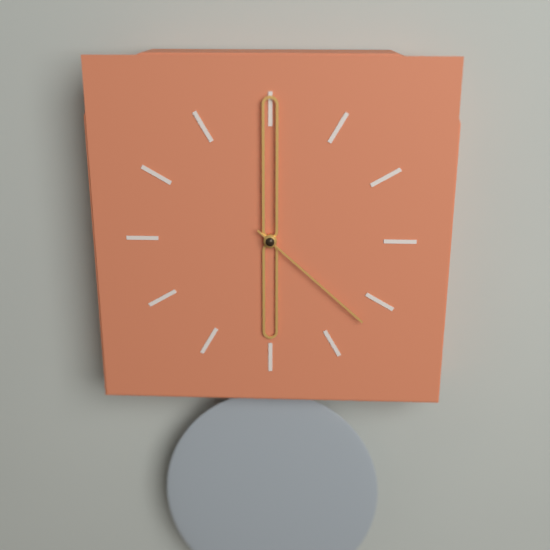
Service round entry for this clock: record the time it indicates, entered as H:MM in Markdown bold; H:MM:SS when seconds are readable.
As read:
**6:00:22**
